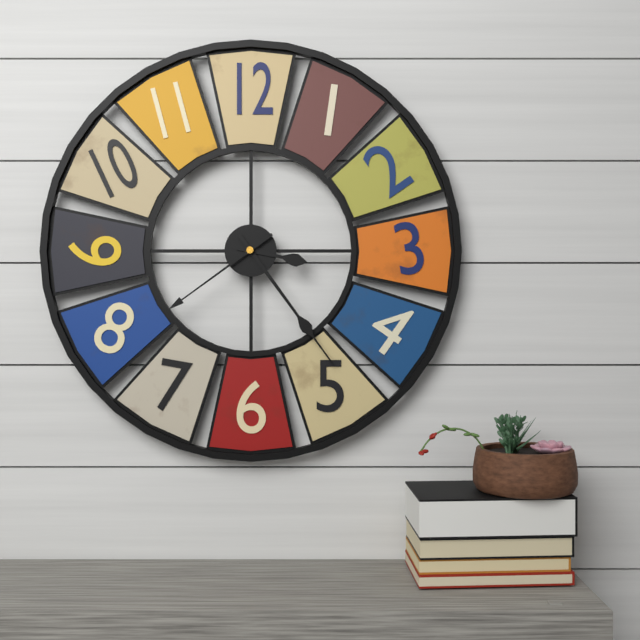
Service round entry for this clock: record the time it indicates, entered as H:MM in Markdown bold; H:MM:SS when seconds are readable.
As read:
**3:24:39**
